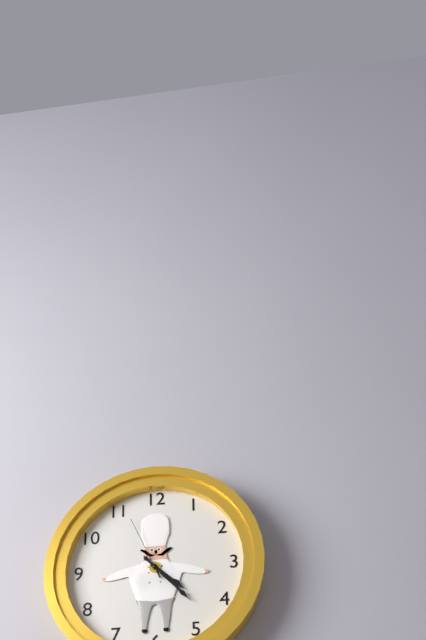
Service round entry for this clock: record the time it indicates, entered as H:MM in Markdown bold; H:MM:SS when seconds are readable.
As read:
**4:23:56**
